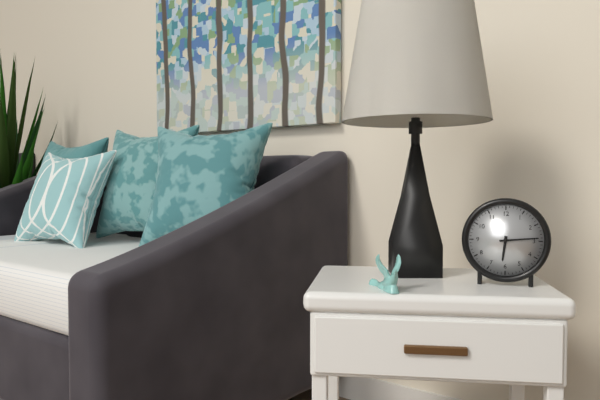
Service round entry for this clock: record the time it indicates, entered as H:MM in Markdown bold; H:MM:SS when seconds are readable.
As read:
**6:14**
